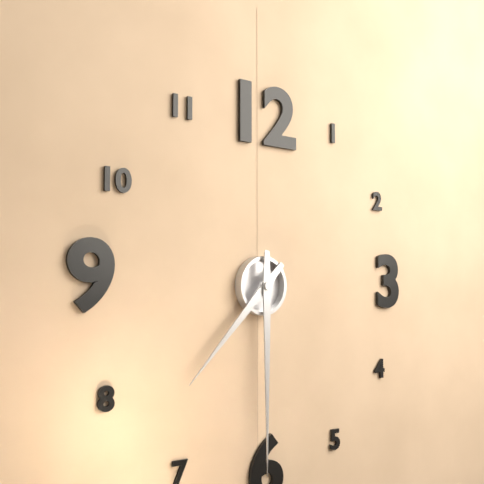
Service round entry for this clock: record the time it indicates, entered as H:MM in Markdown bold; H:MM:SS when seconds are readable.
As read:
**7:30**
